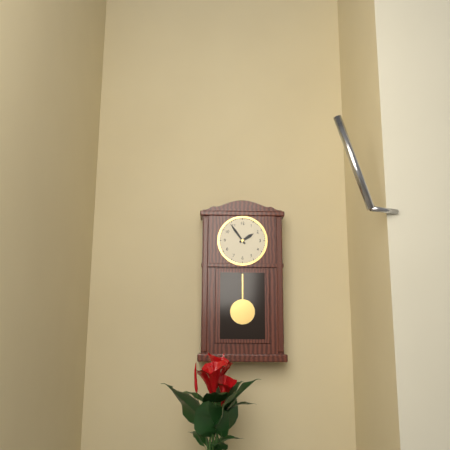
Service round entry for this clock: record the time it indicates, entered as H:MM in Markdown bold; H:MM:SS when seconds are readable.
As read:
**1:54**
